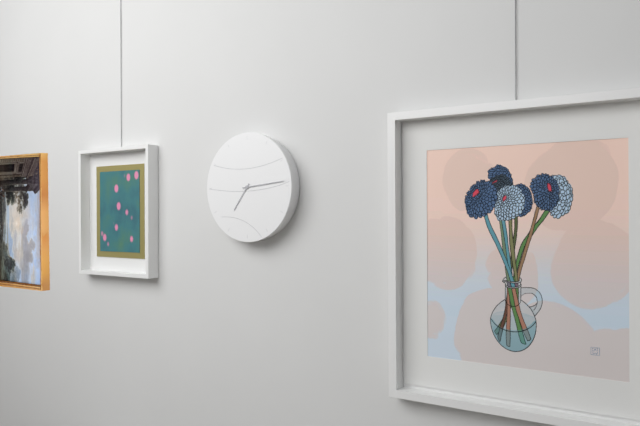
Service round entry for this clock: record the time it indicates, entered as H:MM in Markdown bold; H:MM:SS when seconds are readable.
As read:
**7:14**
